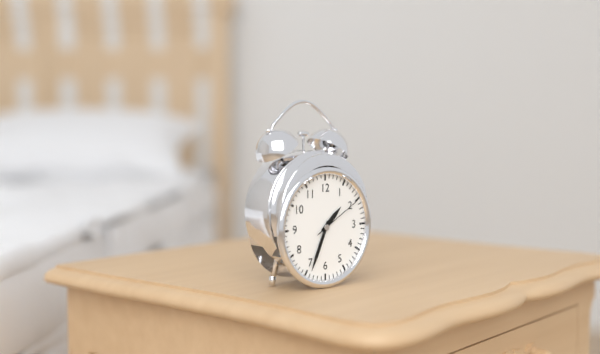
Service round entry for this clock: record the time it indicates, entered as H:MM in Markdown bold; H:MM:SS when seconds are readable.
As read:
**1:34:10**
